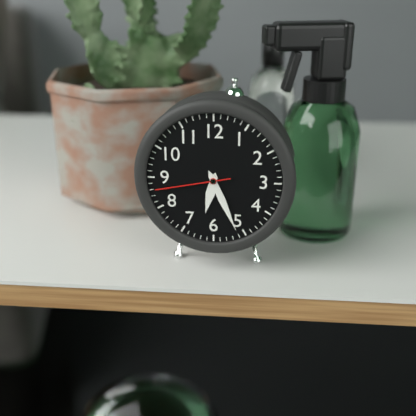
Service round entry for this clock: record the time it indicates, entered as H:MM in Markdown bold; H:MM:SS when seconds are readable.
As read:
**6:26:43**
